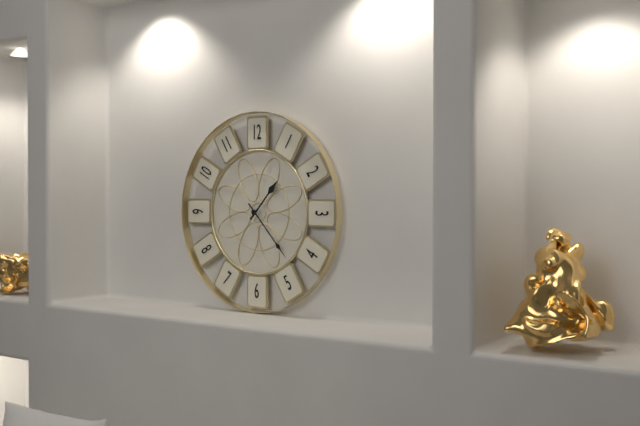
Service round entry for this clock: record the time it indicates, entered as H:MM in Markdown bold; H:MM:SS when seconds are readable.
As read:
**1:23**
